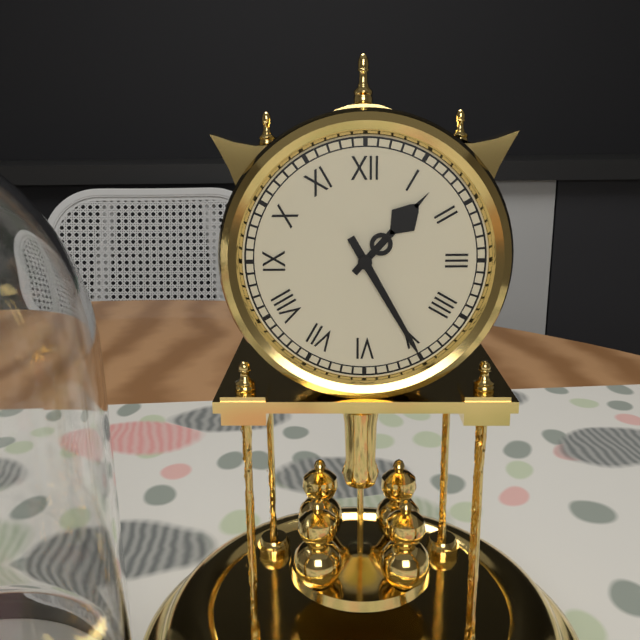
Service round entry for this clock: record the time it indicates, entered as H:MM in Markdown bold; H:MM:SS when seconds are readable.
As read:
**1:25**
